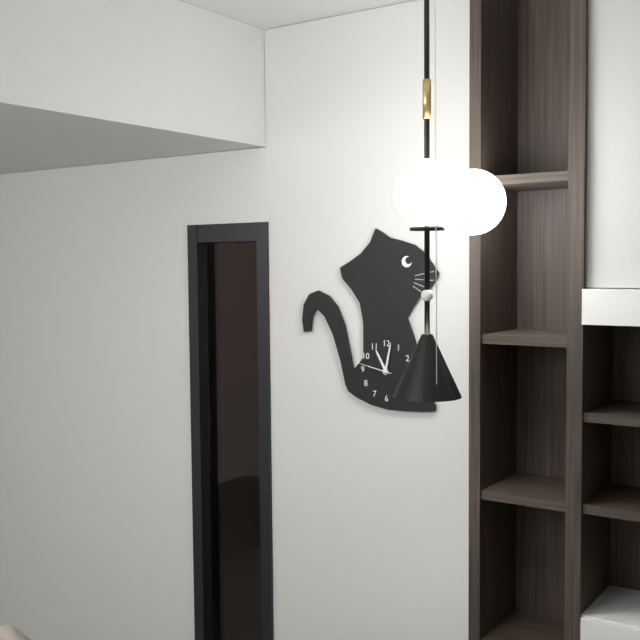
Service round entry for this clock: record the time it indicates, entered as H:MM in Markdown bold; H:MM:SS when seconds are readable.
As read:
**11:02**
